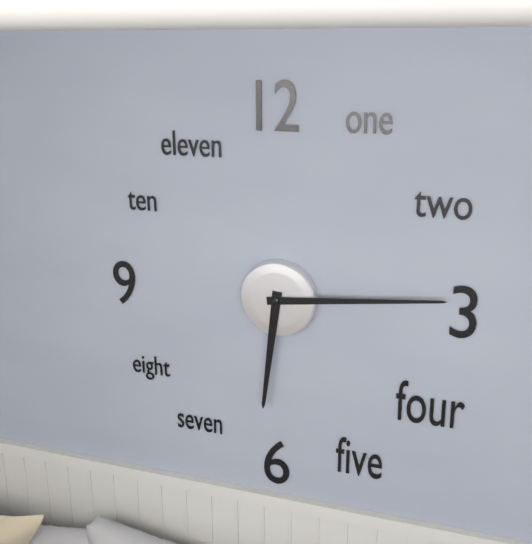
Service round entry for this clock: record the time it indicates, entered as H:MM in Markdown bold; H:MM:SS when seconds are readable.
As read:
**6:14**
